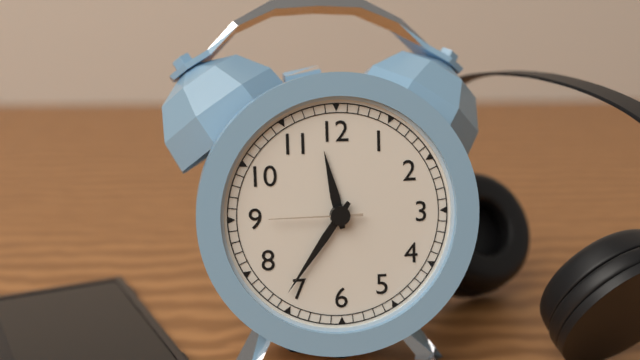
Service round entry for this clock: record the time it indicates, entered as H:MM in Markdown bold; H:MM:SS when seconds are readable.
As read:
**11:36:45**
